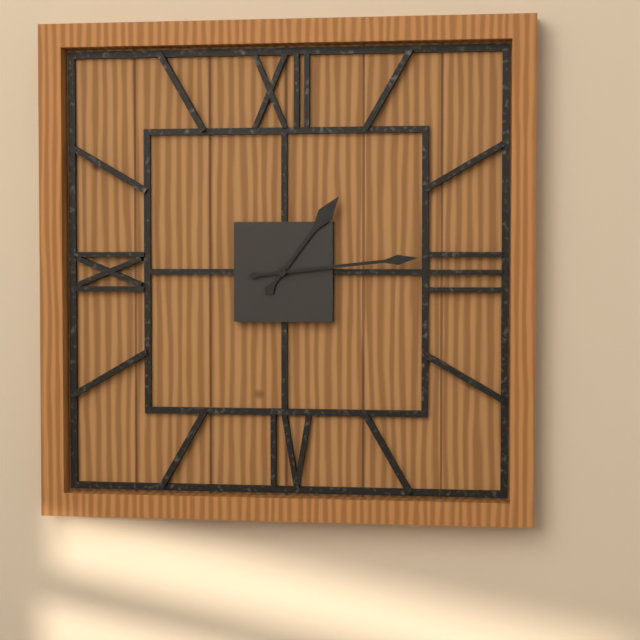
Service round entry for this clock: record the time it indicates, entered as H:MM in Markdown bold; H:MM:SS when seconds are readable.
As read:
**1:14**
